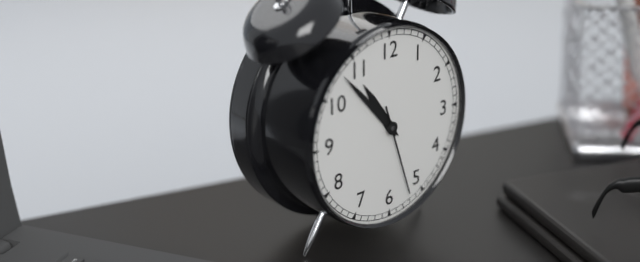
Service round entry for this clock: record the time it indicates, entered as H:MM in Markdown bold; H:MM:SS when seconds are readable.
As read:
**10:53:27**
